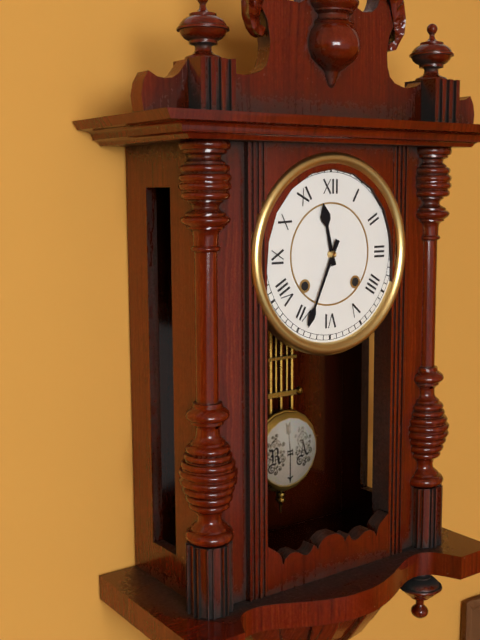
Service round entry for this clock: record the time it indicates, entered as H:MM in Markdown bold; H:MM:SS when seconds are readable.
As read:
**11:34**
